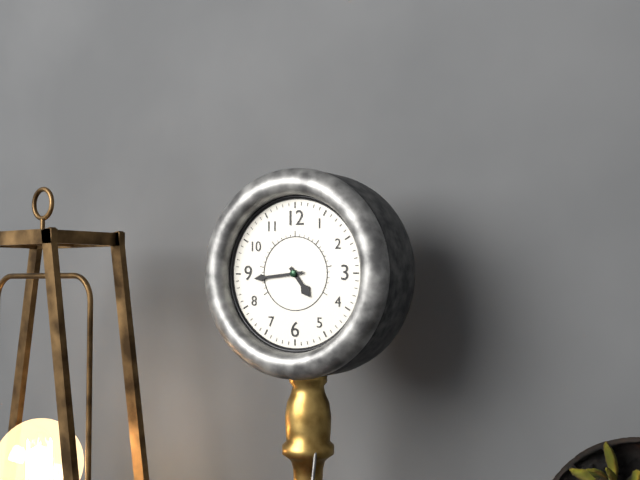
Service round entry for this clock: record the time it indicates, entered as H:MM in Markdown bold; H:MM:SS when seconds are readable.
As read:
**4:44**
